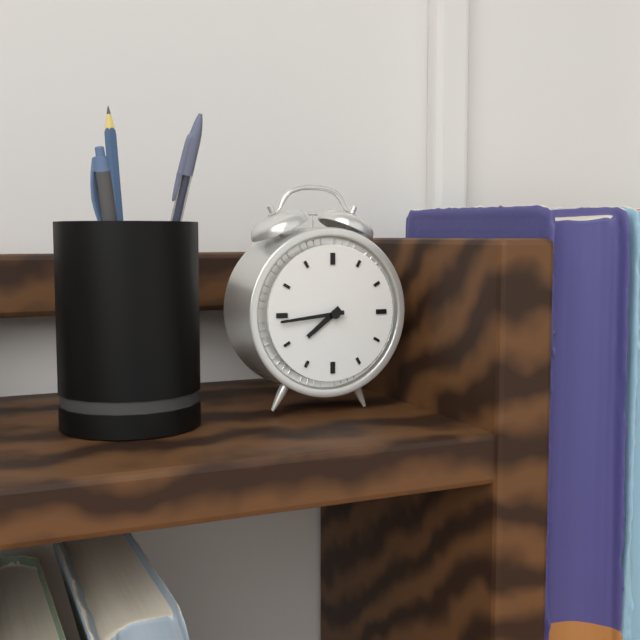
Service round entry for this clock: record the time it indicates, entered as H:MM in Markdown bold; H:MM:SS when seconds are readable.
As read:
**7:44**
